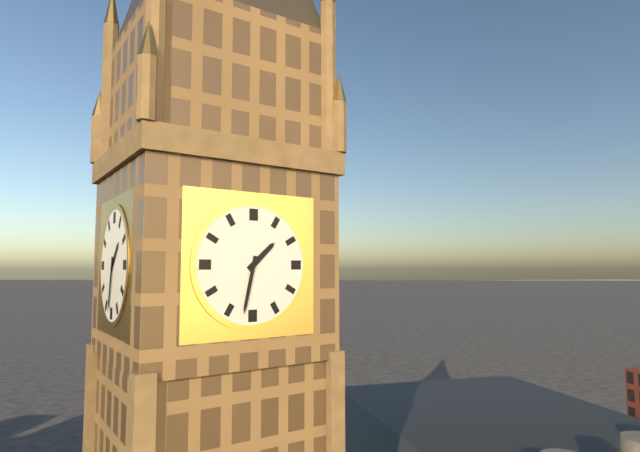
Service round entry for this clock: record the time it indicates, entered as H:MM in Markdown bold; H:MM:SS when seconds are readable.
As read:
**1:32**
